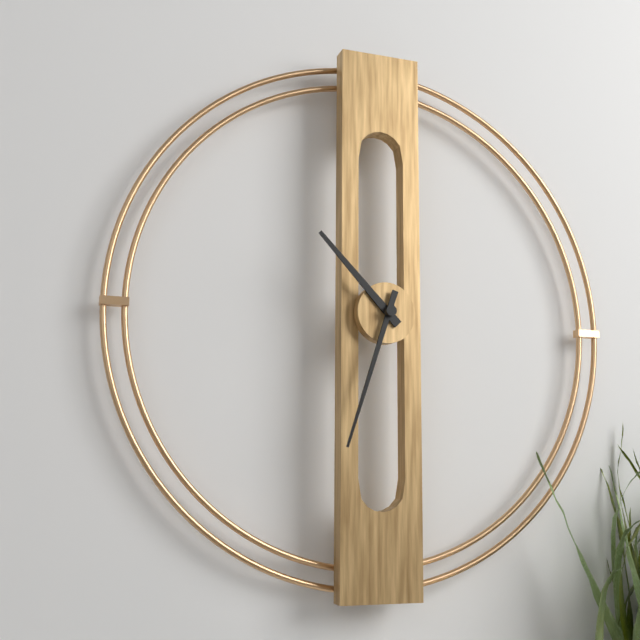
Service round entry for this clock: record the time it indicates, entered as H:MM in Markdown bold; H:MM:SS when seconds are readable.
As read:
**10:33**
